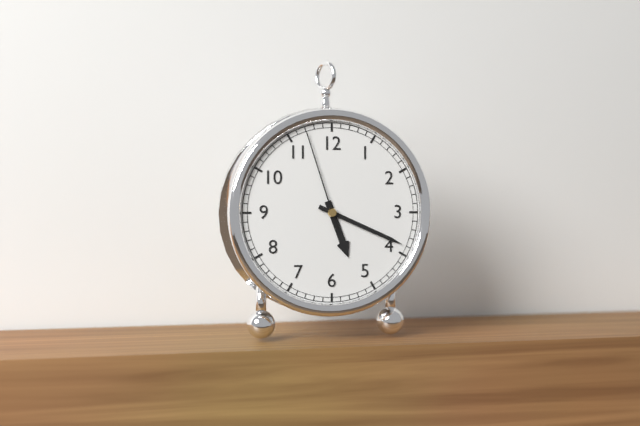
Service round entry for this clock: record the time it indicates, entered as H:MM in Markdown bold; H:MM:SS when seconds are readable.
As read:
**5:19:57**
